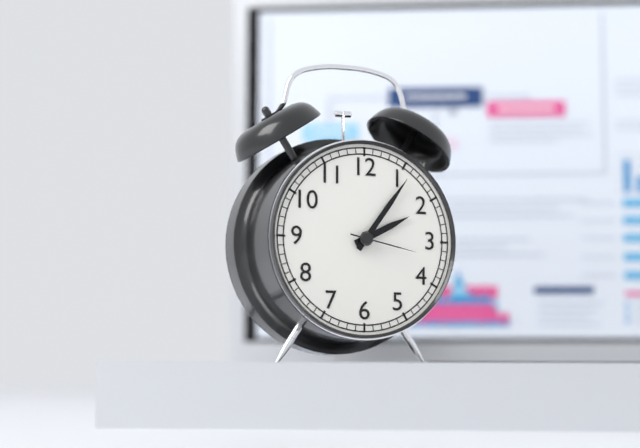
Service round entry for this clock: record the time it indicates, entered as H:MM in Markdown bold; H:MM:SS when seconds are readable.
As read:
**2:06:17**
